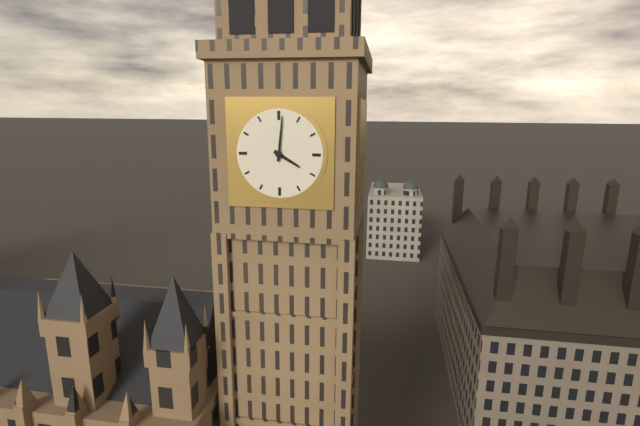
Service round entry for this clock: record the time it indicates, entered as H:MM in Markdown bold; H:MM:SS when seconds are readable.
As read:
**4:01**
